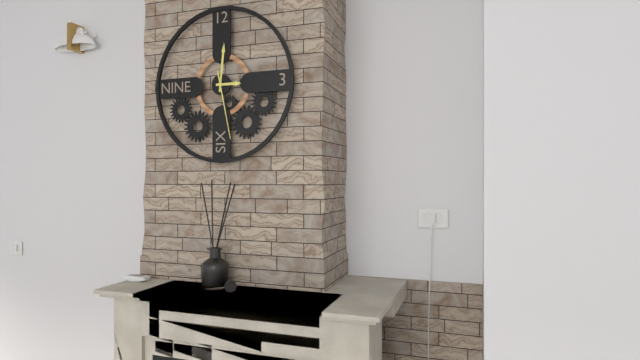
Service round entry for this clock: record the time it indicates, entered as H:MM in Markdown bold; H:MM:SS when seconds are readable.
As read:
**3:01:28**
